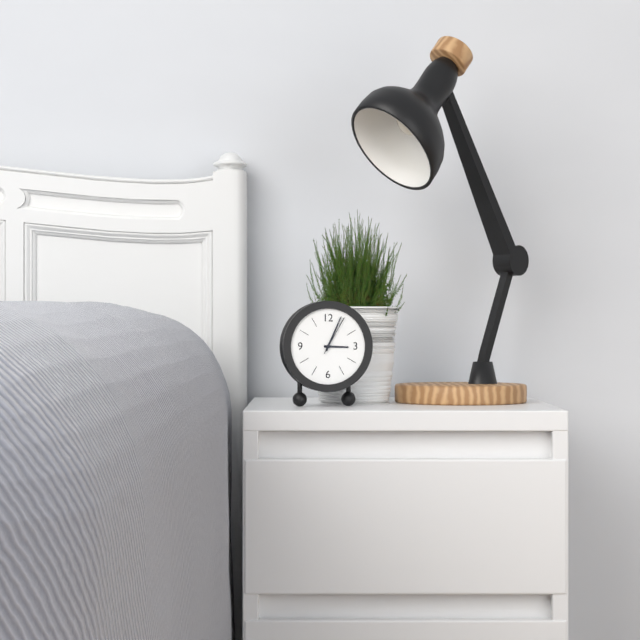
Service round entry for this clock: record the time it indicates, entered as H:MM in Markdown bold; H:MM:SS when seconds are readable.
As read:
**3:04**
